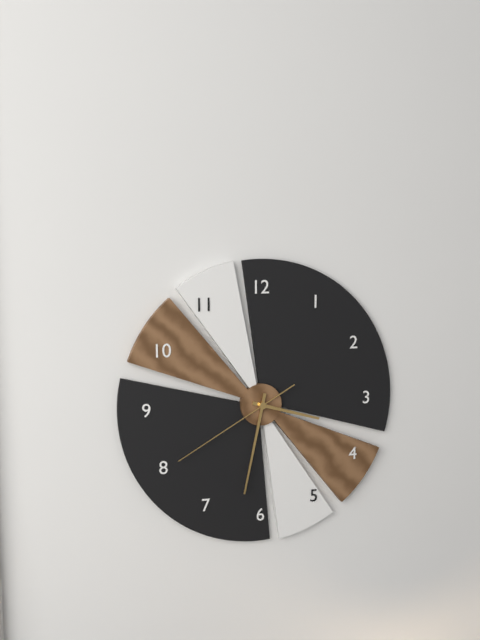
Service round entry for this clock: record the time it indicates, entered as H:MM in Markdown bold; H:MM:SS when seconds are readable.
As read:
**3:32:40**
